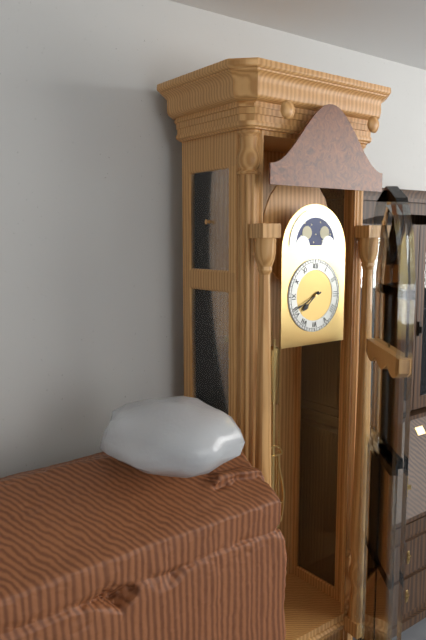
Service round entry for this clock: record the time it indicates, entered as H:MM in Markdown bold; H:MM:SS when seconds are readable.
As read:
**7:41**
